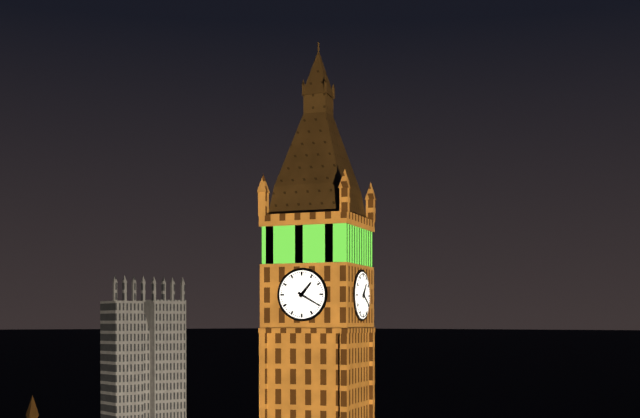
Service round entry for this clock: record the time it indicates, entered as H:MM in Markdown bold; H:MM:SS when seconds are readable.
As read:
**1:20**
